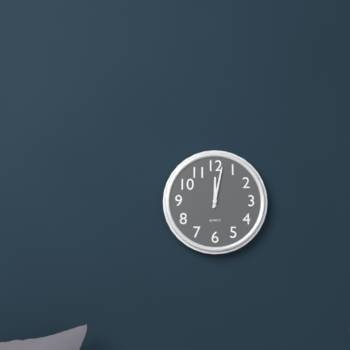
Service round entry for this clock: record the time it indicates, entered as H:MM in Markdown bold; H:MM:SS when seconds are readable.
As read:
**12:02**
